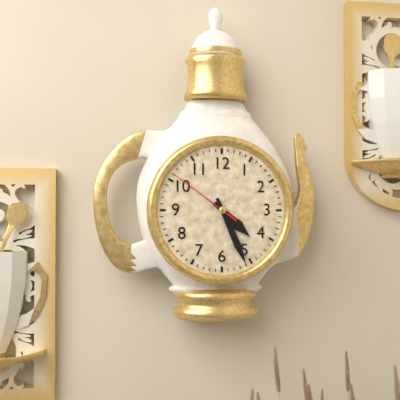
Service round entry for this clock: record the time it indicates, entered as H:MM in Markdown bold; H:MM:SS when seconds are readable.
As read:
**4:26:51**
